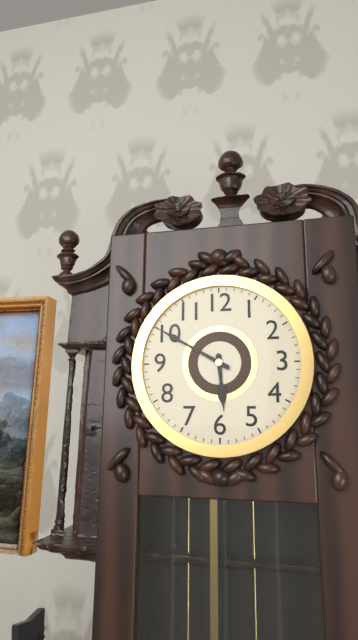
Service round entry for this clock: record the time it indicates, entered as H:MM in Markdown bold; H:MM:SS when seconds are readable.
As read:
**5:50**
